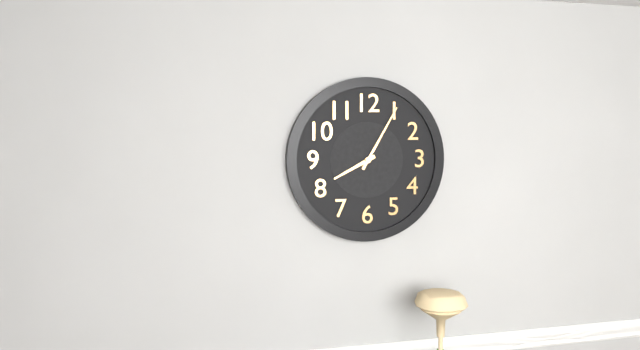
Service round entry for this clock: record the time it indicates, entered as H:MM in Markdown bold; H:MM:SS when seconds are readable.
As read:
**8:05**
